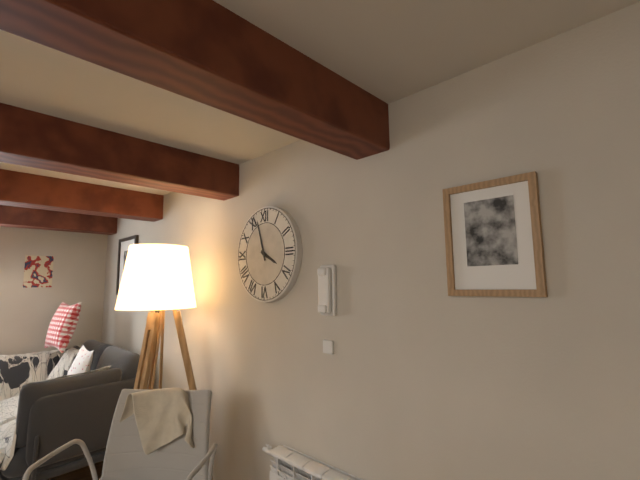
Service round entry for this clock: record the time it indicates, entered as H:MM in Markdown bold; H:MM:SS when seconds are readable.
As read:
**3:57**
